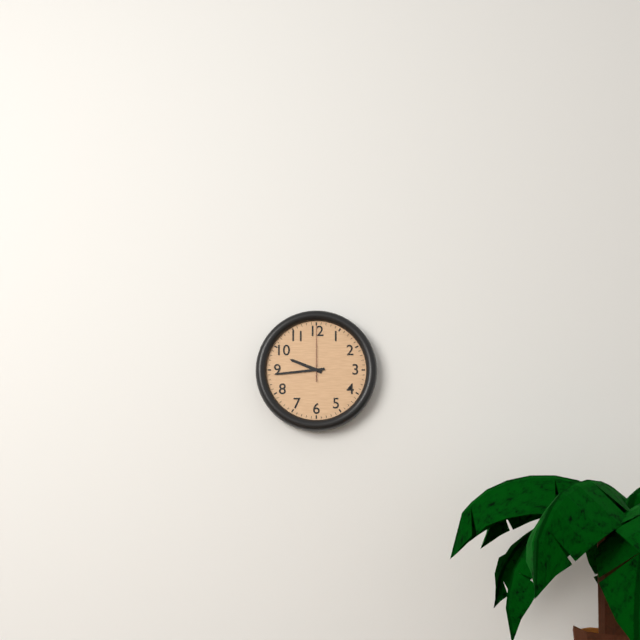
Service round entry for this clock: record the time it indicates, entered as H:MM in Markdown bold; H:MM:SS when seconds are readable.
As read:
**9:44:00**
